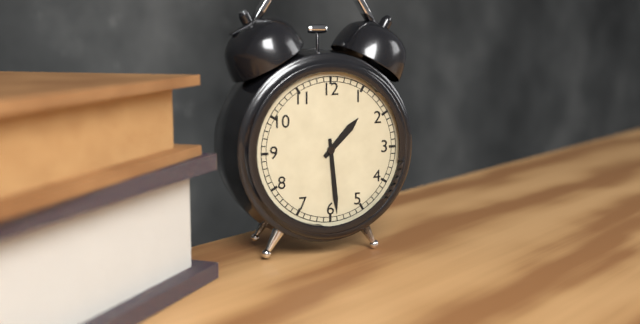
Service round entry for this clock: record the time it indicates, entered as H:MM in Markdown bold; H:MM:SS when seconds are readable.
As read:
**1:29**
